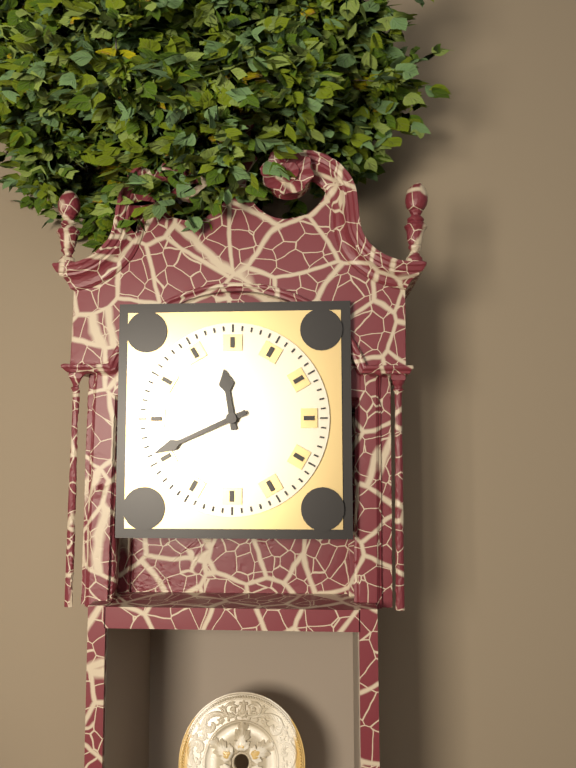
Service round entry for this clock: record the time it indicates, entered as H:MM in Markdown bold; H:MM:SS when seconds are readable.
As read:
**11:41**
